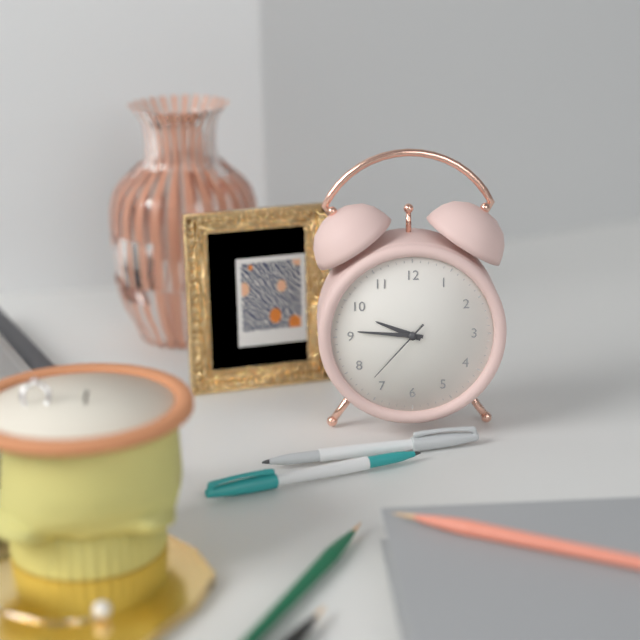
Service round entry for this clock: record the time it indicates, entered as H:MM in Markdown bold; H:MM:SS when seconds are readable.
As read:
**9:46:37**
